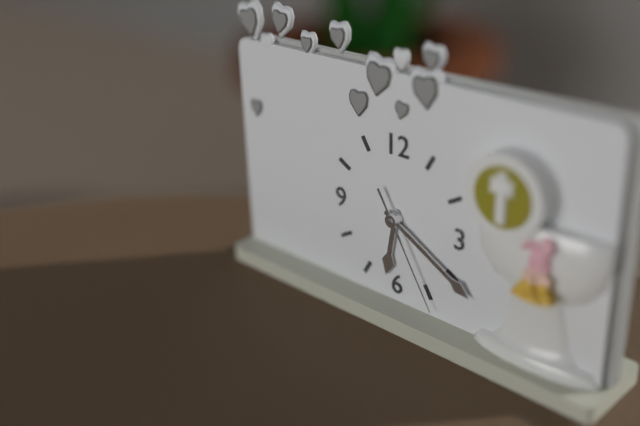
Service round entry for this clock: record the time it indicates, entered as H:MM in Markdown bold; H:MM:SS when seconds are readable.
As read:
**6:20:25**
